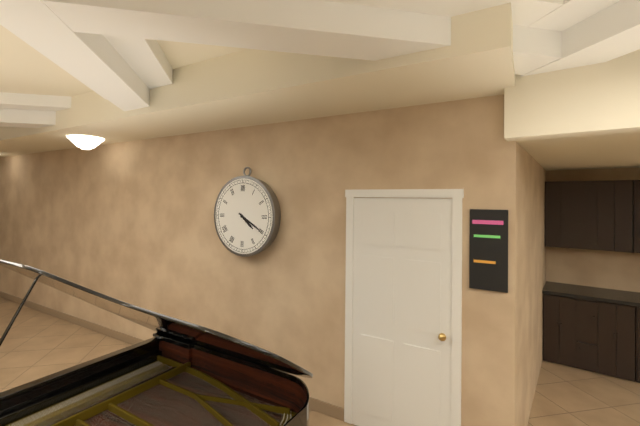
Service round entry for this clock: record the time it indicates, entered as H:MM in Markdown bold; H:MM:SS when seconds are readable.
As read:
**4:20**
